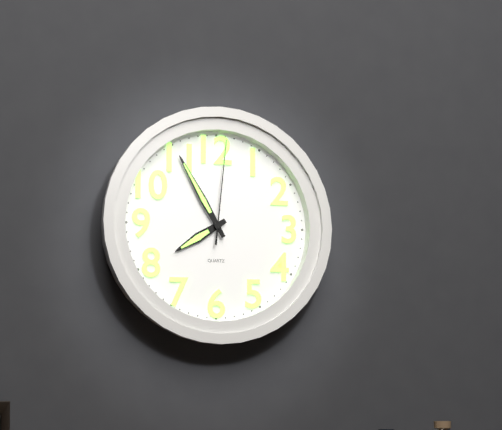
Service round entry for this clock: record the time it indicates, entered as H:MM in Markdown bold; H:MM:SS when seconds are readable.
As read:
**7:55:01**
